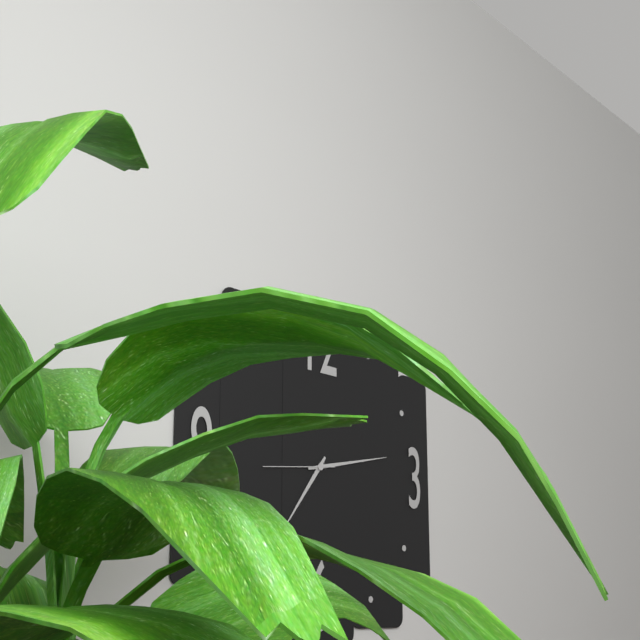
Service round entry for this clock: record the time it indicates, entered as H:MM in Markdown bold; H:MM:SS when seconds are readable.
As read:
**7:13:44**
